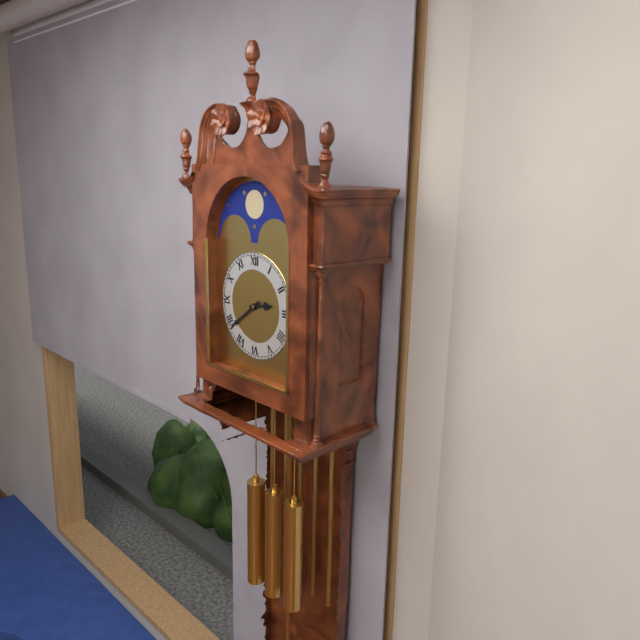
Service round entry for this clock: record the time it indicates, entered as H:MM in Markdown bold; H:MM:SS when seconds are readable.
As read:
**2:39**
